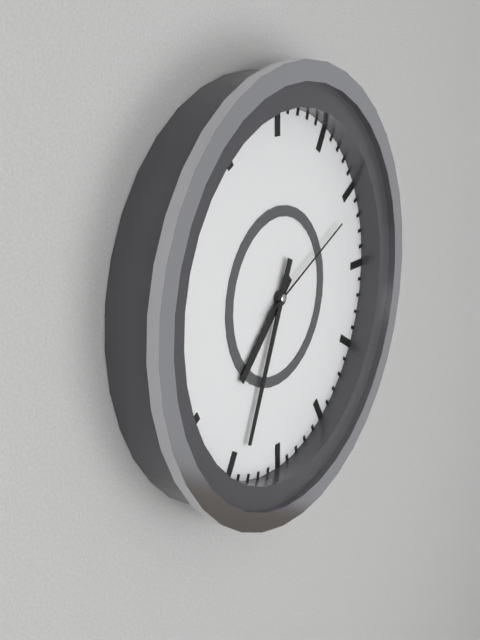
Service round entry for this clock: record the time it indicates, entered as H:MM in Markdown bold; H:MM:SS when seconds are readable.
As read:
**7:34:11**
